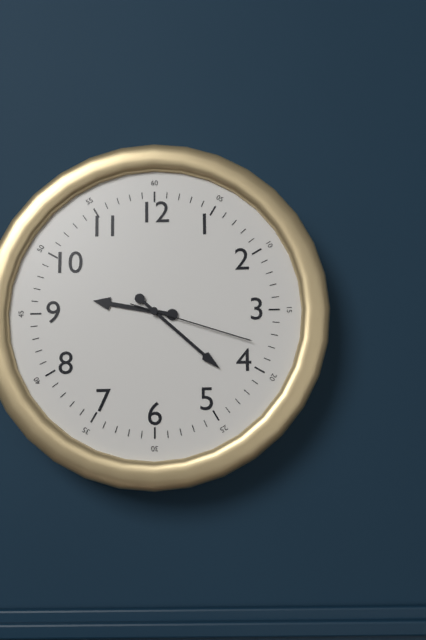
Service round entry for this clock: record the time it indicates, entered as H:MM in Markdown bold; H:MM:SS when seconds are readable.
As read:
**9:22:18**
